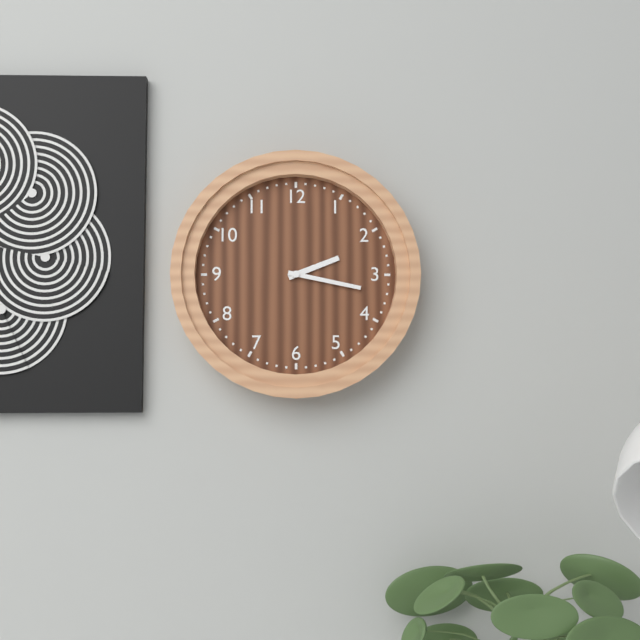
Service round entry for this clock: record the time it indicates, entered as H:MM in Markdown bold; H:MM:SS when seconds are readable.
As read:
**2:17**
